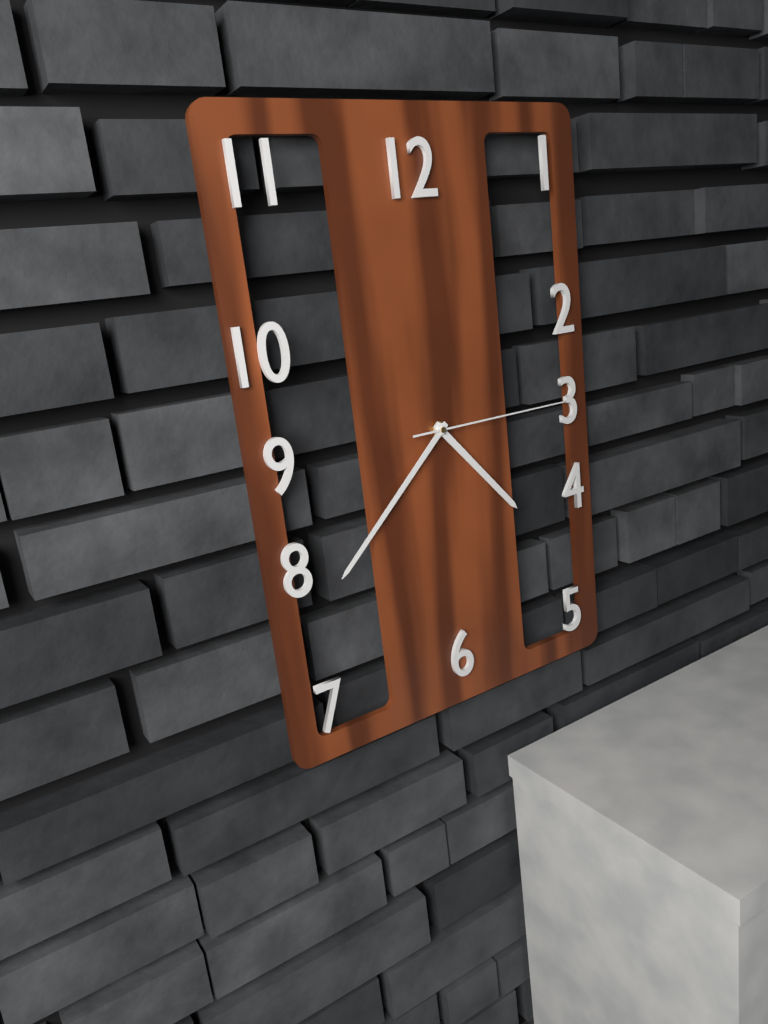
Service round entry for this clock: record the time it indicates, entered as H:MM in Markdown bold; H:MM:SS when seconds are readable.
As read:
**4:38:15**
